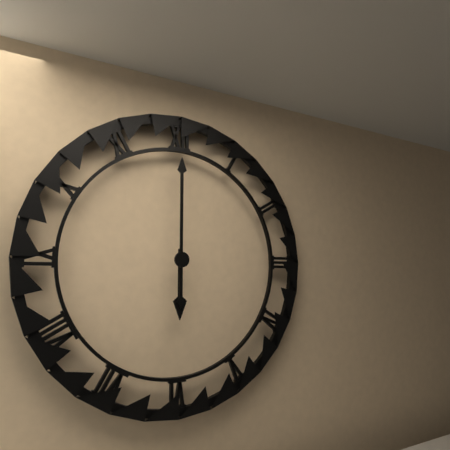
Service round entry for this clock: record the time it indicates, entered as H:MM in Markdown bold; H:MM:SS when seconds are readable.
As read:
**6:00**
